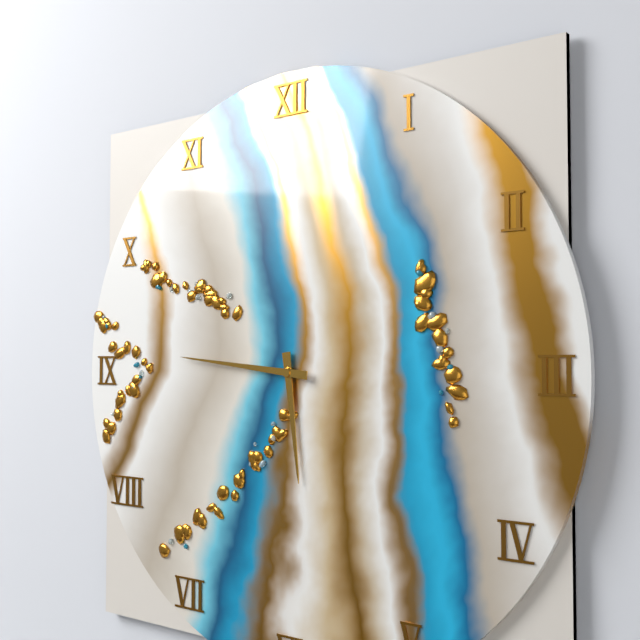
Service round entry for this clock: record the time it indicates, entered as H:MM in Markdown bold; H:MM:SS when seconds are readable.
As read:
**5:46**
